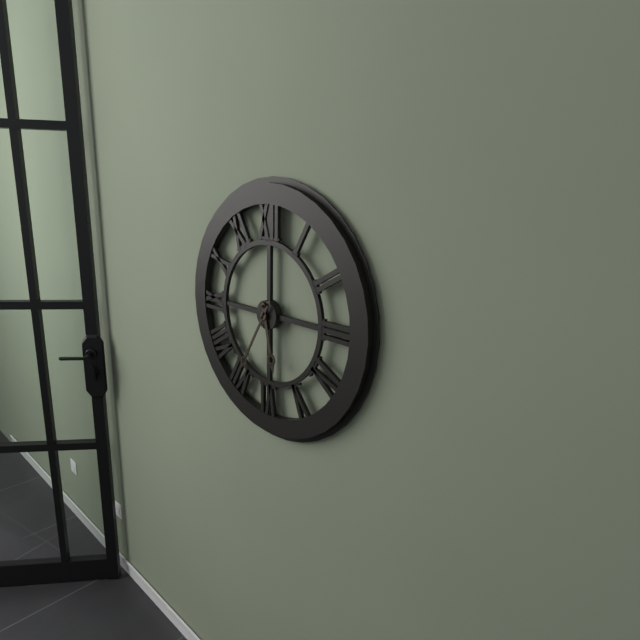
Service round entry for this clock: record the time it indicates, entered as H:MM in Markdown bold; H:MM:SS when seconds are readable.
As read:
**5:35**
